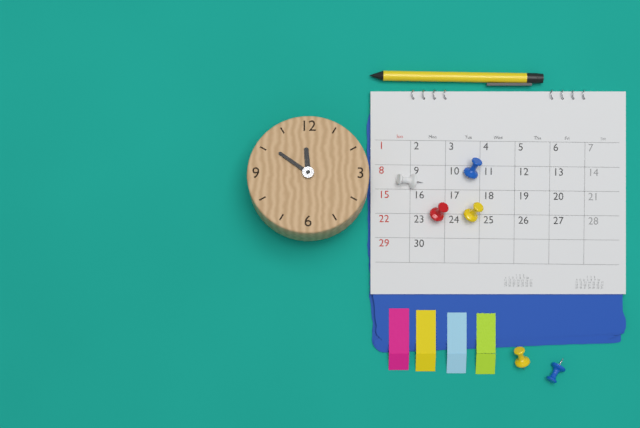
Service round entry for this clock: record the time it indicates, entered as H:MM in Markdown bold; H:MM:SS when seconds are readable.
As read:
**11:51**
